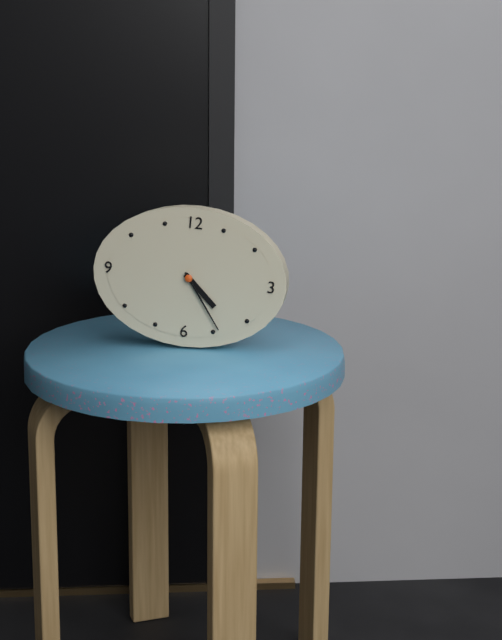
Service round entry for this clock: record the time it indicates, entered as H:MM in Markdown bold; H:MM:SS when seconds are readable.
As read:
**4:24**
